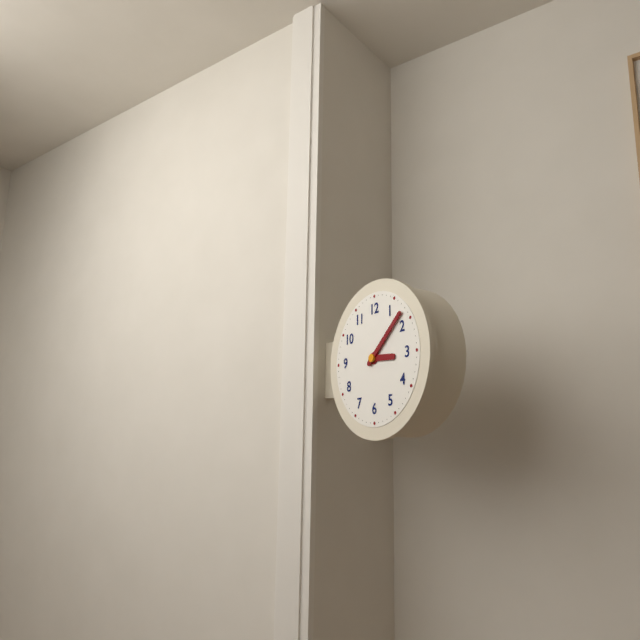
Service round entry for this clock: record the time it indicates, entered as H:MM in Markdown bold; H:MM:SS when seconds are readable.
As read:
**3:08**
